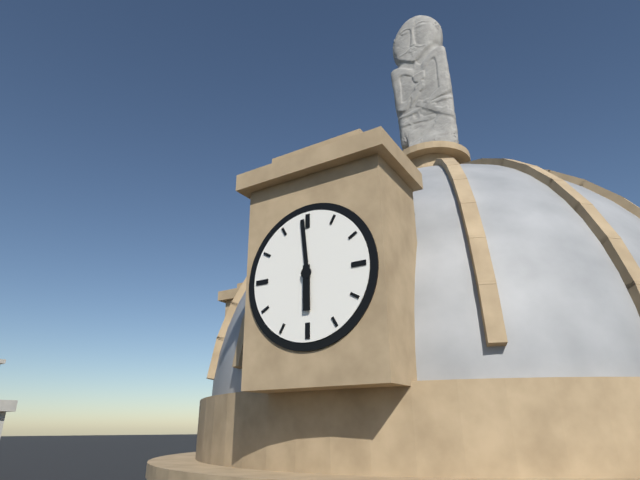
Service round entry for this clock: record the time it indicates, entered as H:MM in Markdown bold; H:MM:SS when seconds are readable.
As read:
**5:59**
